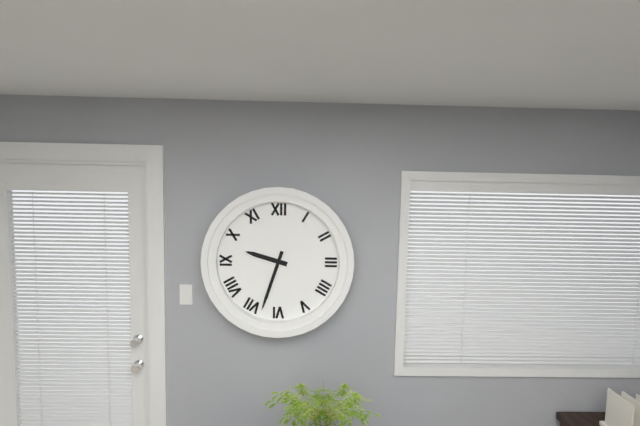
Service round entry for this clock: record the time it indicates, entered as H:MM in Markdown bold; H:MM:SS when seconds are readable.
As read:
**9:33**
